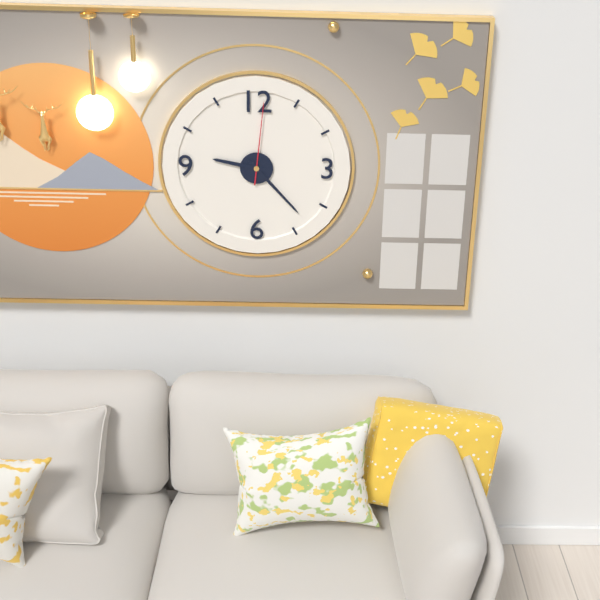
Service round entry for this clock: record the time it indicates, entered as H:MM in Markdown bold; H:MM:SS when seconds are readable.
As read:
**9:23:01**
